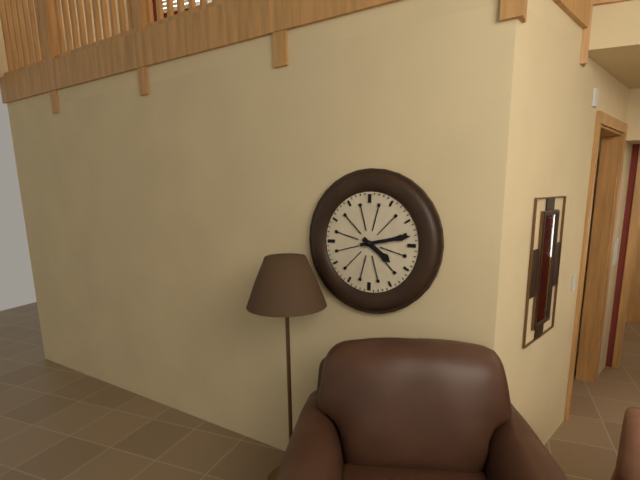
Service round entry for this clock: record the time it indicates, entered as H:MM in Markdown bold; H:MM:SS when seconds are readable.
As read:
**4:13**
